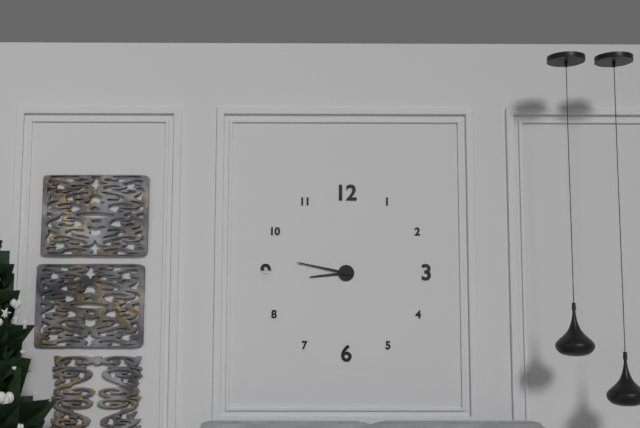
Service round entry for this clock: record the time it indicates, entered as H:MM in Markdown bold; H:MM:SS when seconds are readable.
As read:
**8:47**
